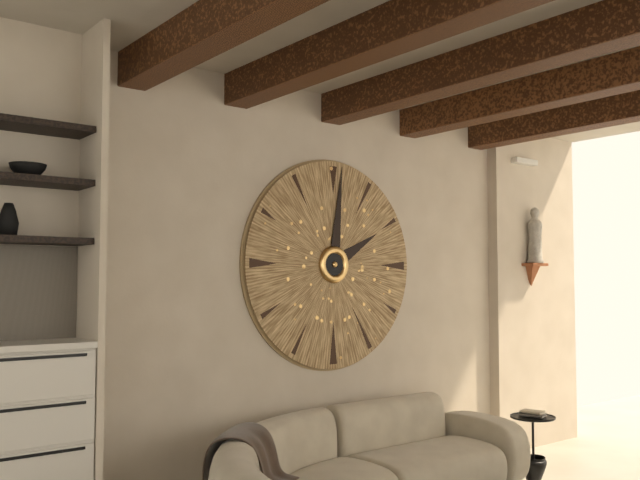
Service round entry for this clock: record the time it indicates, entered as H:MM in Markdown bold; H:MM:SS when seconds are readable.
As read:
**2:01**
